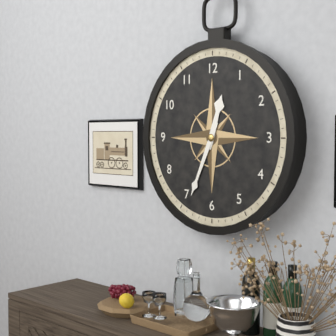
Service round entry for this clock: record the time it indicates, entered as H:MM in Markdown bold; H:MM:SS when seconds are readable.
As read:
**12:34**
